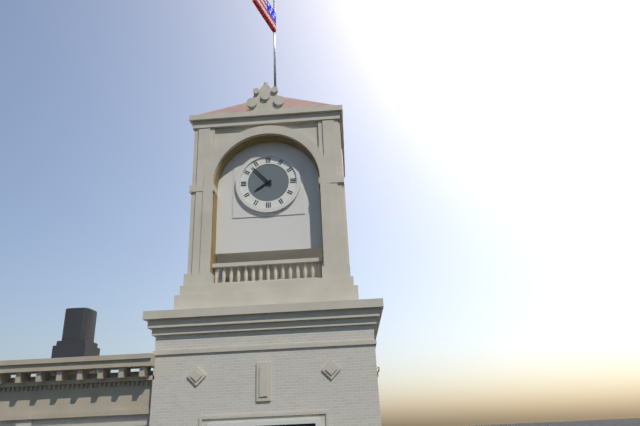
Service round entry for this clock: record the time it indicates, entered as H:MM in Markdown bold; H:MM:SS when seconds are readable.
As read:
**7:53**
